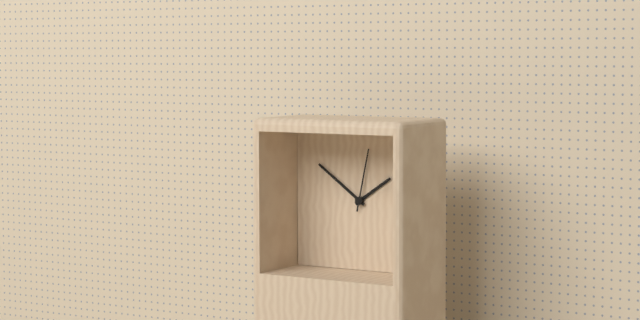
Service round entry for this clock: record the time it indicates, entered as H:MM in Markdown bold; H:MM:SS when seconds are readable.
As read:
**1:51:02**
